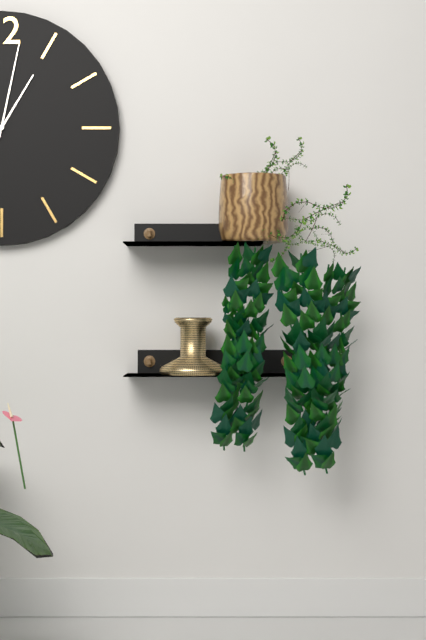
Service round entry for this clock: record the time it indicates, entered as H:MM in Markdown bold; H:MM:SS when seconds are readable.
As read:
**1:02**
